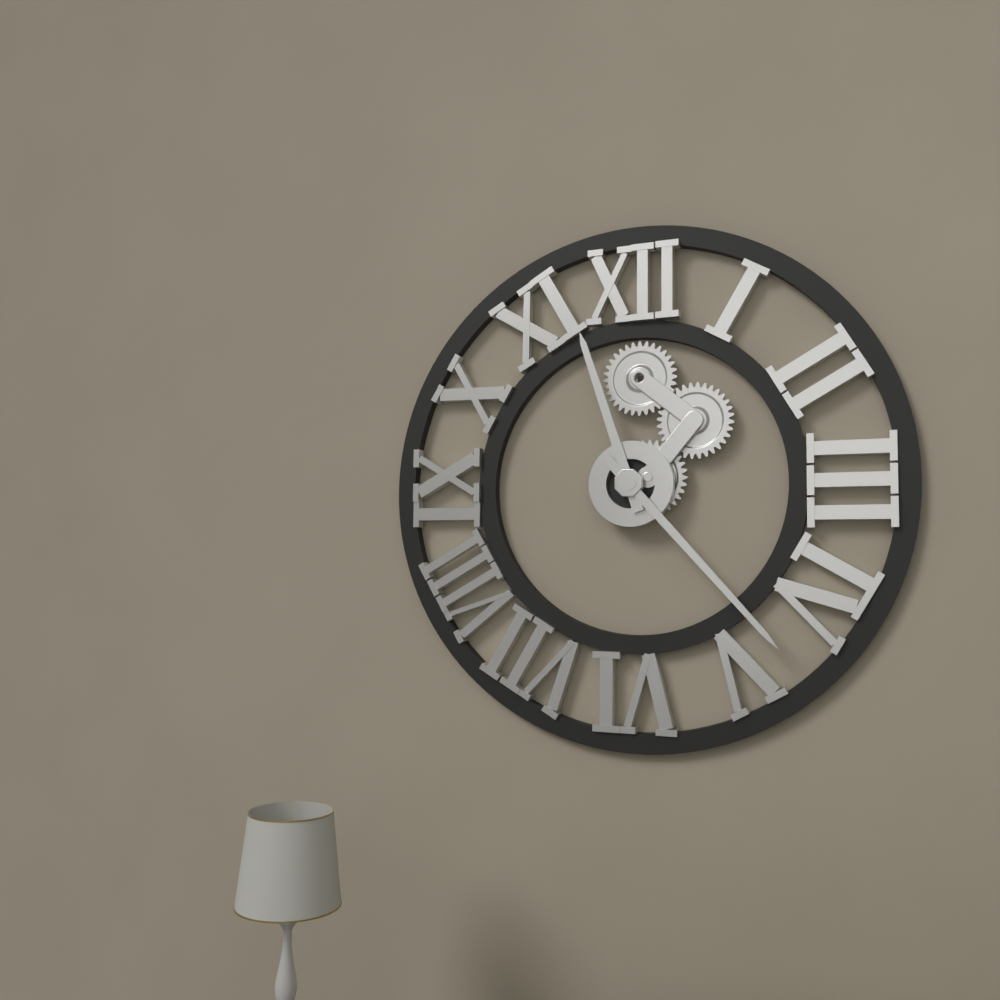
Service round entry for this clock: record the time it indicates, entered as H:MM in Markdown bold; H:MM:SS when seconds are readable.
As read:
**11:23**
